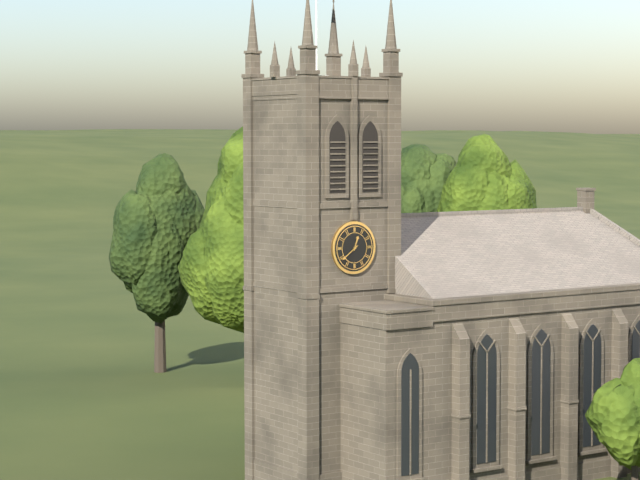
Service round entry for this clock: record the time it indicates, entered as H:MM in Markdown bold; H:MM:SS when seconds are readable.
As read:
**12:39**
